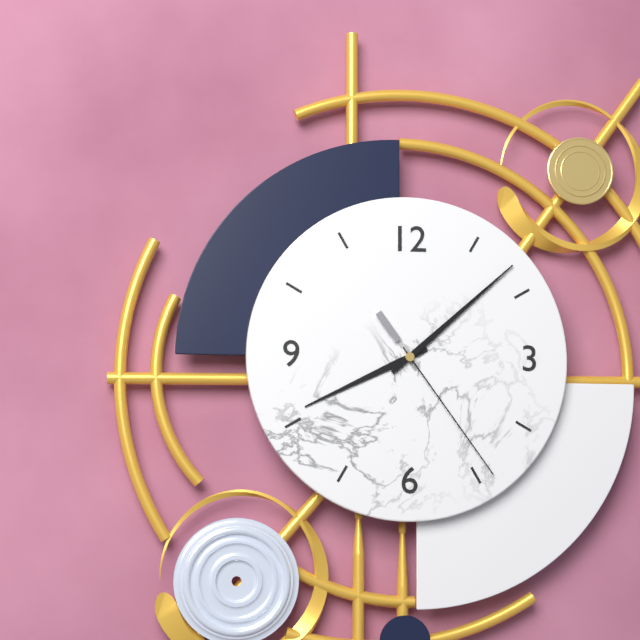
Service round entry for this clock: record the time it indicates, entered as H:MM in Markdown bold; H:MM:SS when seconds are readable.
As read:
**8:08:24**
